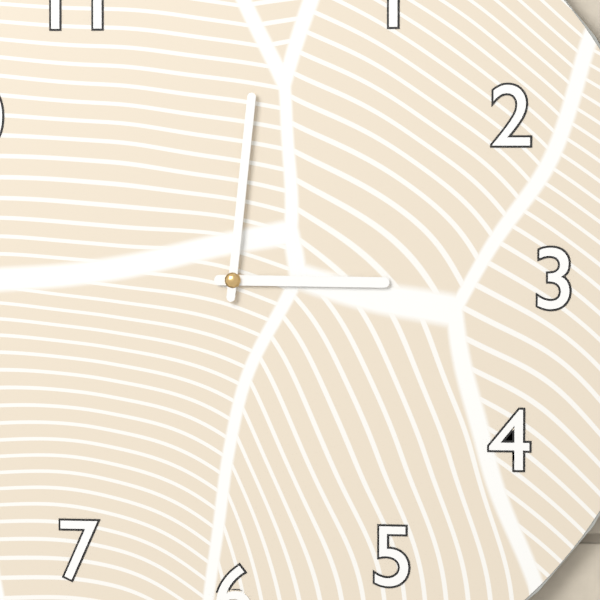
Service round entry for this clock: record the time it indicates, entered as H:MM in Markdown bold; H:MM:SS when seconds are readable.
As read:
**3:01**
